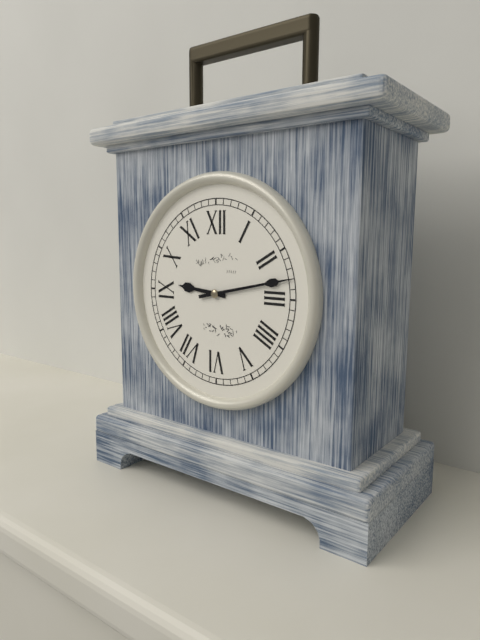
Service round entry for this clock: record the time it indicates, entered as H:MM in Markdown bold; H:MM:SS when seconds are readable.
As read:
**9:13**
